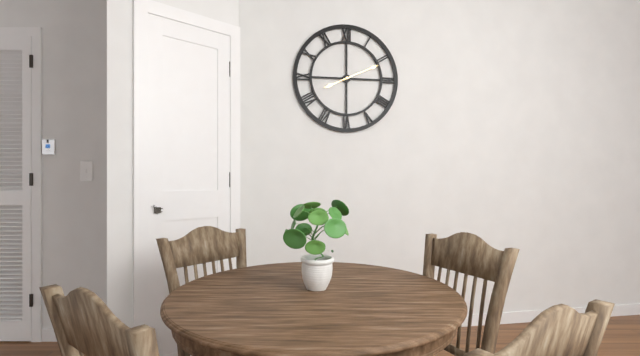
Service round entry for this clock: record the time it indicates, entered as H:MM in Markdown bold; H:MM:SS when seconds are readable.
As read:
**8:11**
